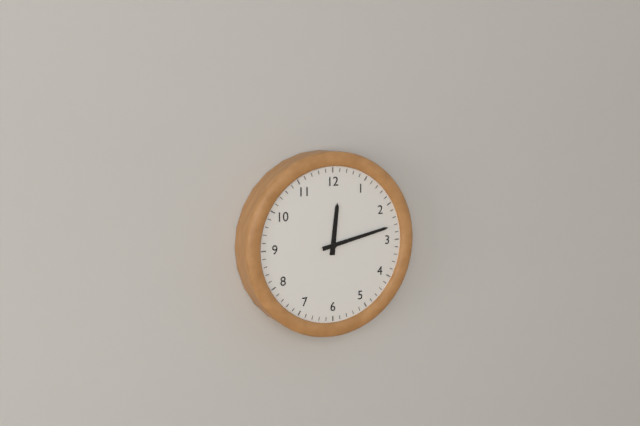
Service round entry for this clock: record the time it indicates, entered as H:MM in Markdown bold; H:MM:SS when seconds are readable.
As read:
**12:13**
